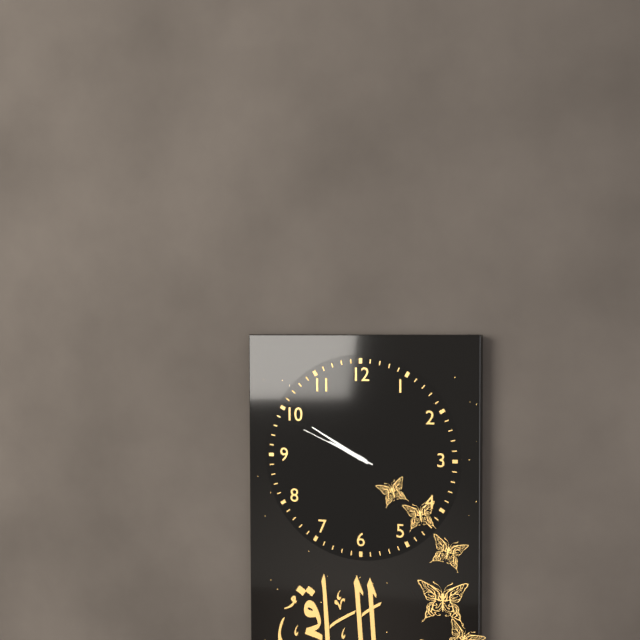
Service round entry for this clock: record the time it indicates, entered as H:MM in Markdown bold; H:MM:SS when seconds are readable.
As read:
**9:50:49**
